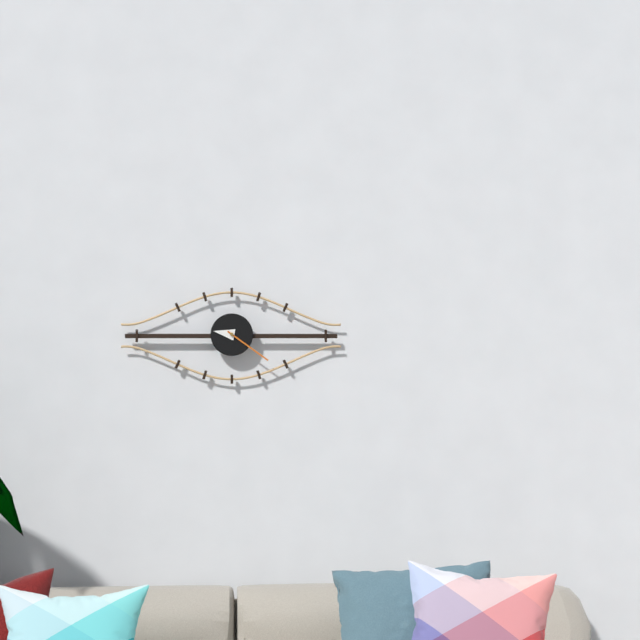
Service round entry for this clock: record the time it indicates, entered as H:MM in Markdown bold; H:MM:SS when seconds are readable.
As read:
**9:21**
